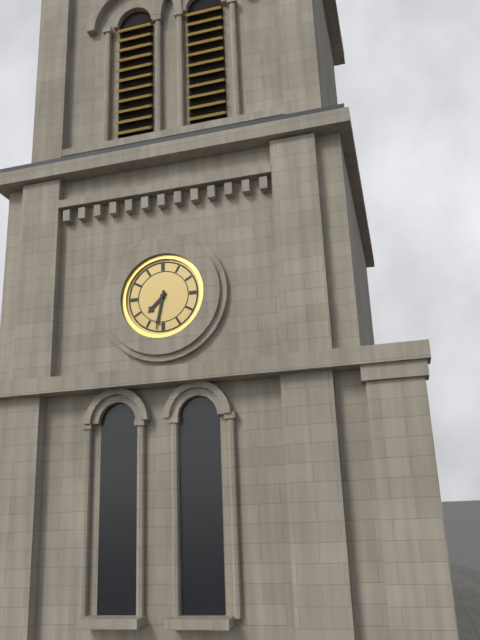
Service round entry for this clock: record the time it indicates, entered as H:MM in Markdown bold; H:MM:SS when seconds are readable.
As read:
**7:32**
